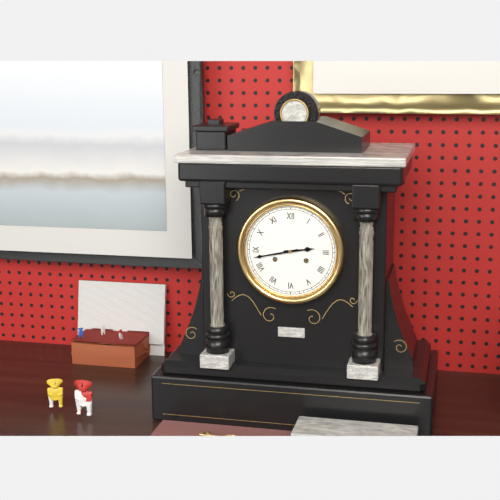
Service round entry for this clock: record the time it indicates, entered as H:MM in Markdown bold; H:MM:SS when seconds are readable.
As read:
**2:43**
